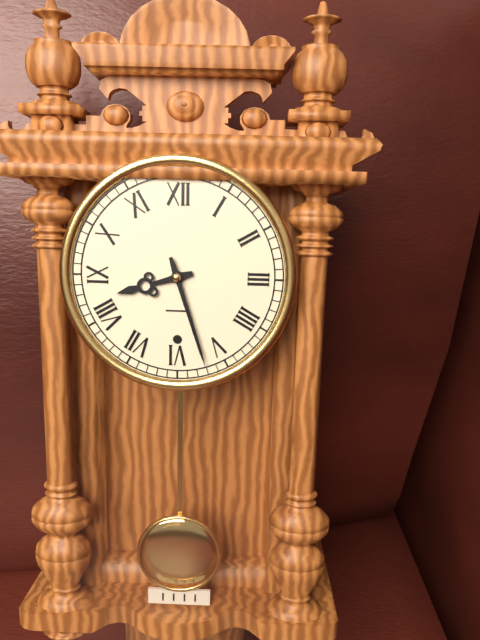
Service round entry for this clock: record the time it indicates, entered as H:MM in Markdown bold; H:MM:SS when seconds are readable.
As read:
**8:27**
